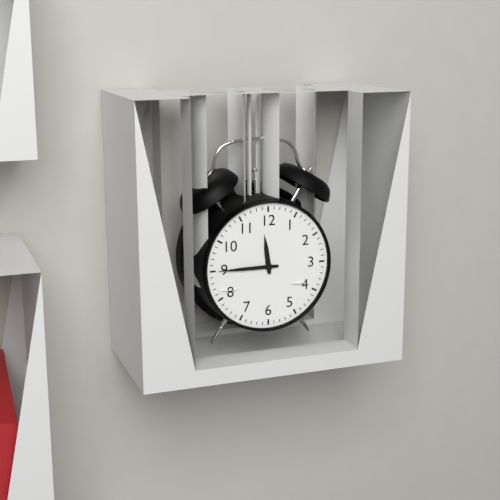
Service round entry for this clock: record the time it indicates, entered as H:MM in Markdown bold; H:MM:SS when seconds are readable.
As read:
**11:45**
